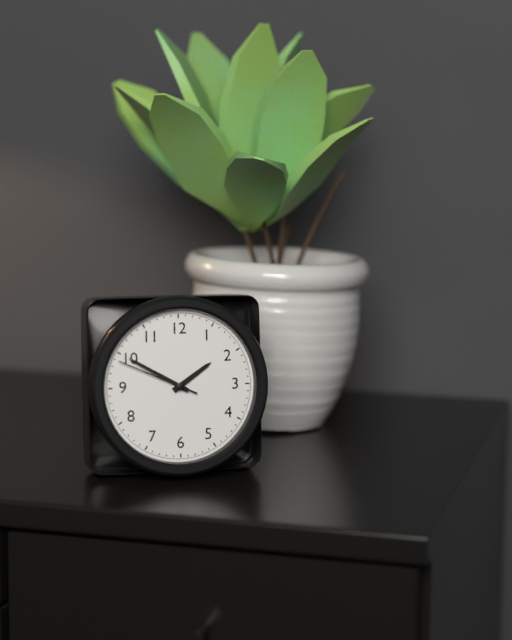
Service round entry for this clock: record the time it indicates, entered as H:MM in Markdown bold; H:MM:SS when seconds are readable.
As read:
**1:50:49**
